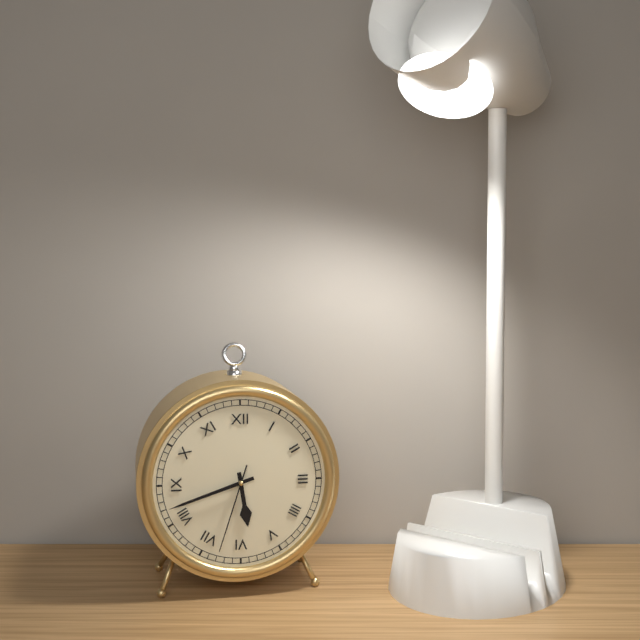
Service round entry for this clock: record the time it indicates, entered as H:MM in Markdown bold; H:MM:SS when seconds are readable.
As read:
**5:42:33**
